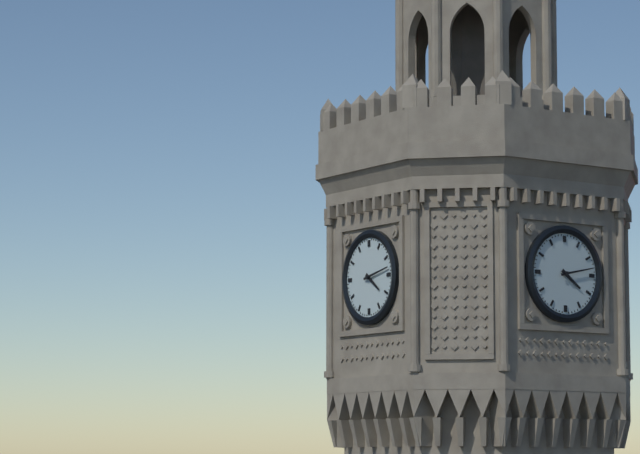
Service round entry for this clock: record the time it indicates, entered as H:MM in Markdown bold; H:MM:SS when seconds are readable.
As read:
**4:13**
